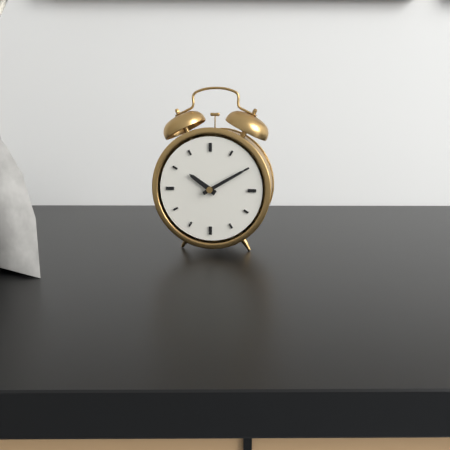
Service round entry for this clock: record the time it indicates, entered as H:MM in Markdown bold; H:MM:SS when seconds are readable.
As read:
**10:10**
